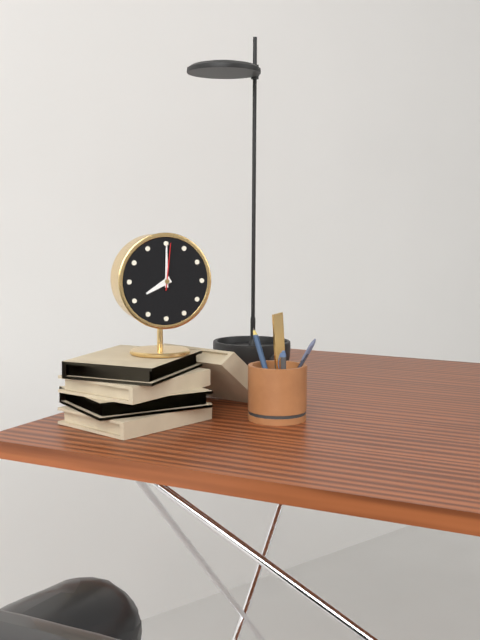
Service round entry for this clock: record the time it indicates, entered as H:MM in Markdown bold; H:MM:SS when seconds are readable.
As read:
**8:00**
